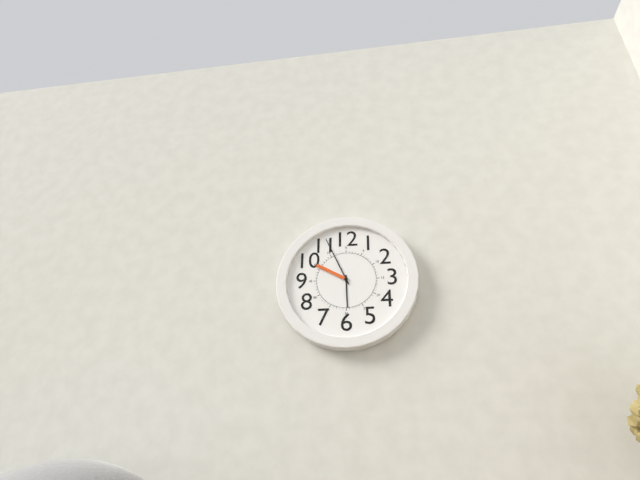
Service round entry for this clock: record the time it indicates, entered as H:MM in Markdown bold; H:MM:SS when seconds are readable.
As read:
**5:56**
